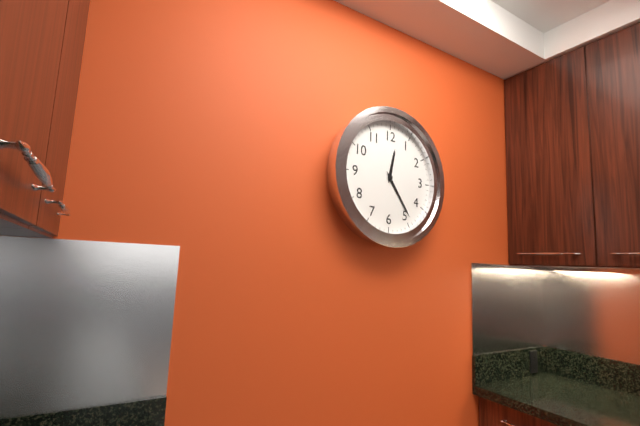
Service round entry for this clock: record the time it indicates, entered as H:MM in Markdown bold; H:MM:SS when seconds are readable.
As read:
**12:24**
